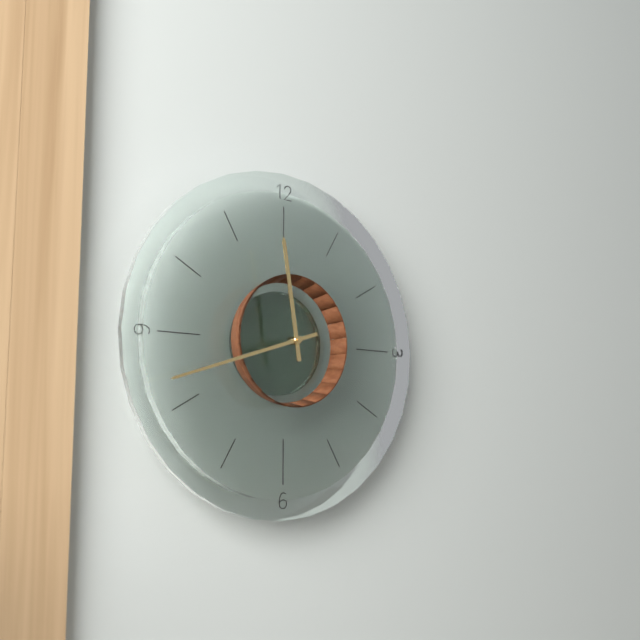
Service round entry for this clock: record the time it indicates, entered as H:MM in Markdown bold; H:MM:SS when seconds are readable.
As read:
**11:42**
